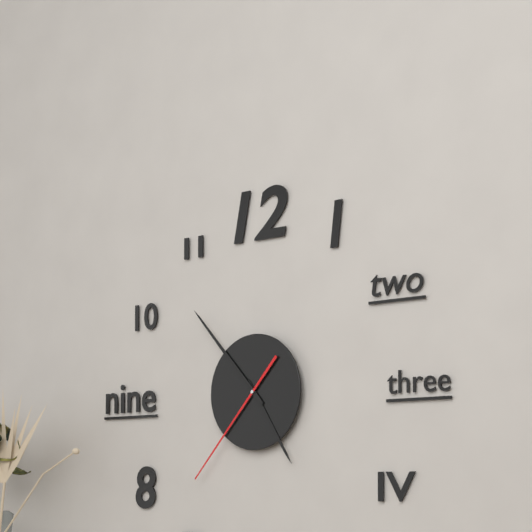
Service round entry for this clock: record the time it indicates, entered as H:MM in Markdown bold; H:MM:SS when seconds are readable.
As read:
**4:53:37**
